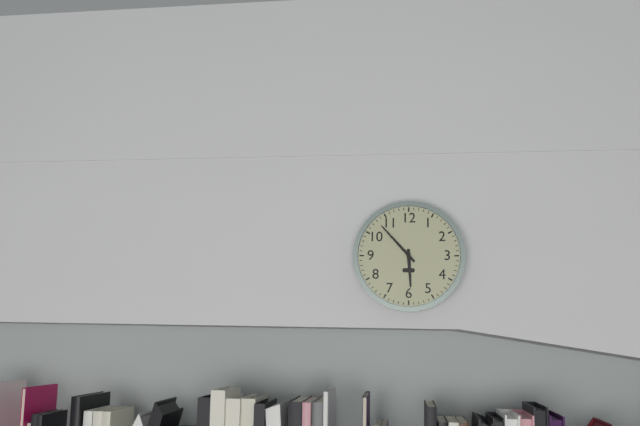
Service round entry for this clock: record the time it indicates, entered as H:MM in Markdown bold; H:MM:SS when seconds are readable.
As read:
**5:53**
